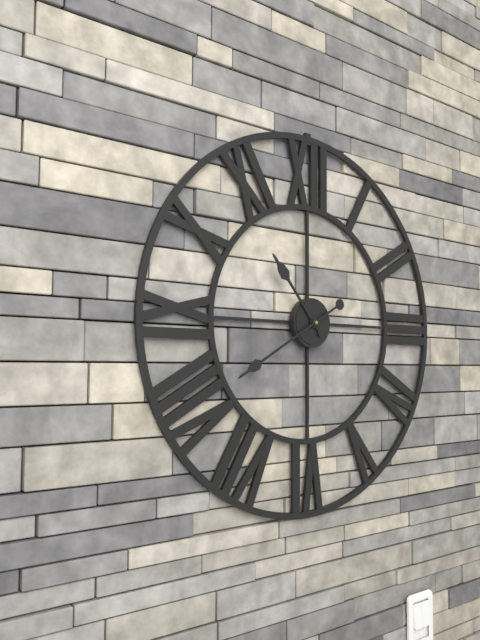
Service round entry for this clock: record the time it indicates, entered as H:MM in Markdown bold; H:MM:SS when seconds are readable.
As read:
**10:40**
